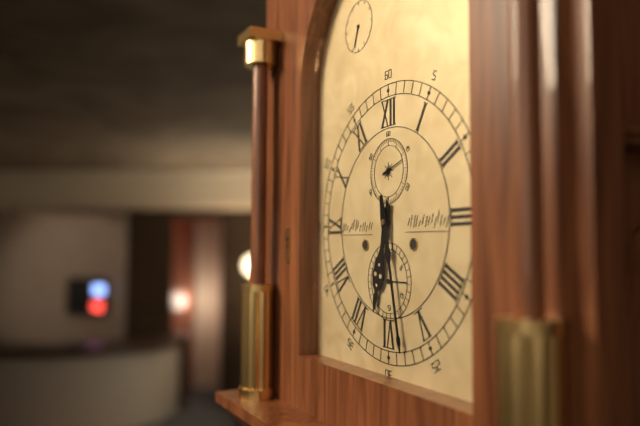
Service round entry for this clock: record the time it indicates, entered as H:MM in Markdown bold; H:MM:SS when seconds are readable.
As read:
**6:28**
